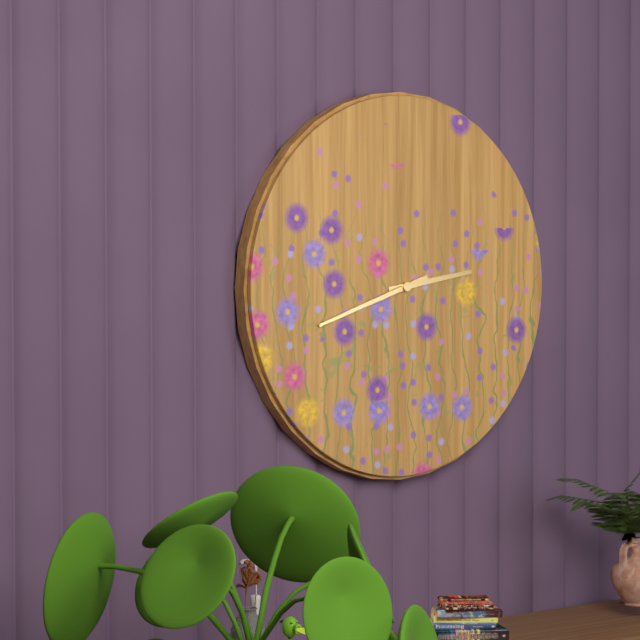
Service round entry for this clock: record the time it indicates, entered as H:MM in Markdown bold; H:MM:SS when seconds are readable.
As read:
**2:42**
